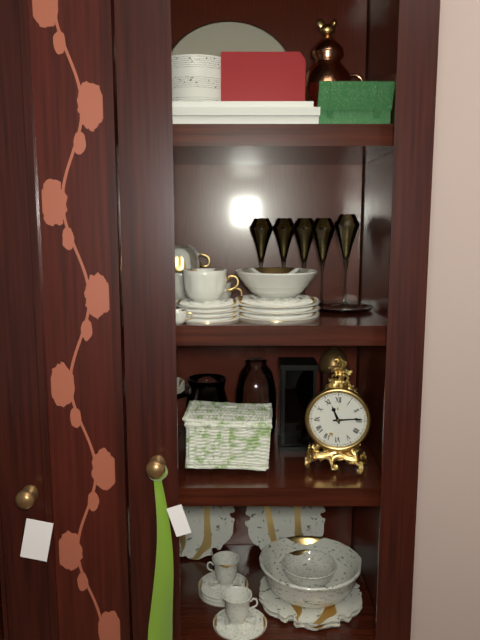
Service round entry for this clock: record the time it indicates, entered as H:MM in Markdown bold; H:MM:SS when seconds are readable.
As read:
**11:14**
